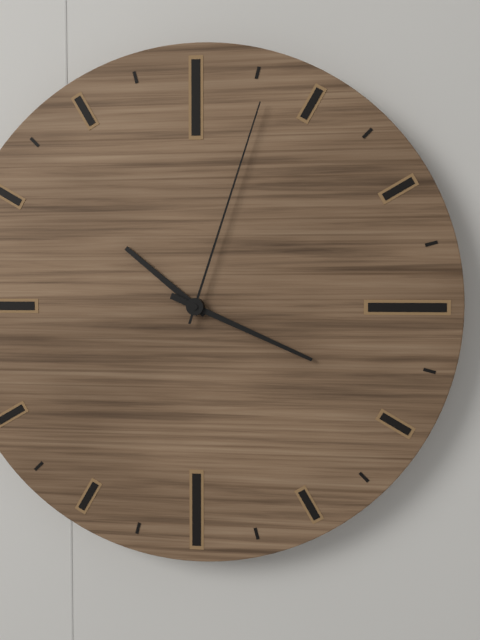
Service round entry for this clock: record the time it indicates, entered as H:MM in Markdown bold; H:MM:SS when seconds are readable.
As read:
**10:19:03**
